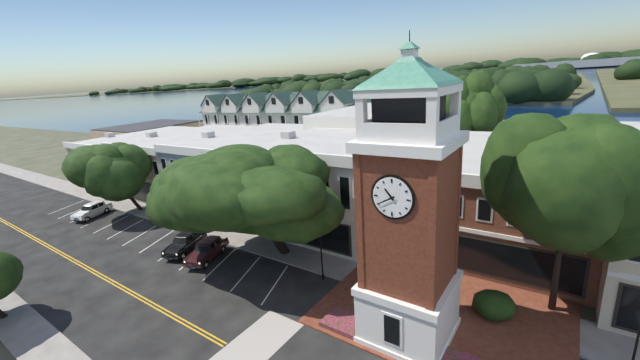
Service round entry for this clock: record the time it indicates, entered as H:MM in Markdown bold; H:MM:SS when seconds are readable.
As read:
**10:40**
